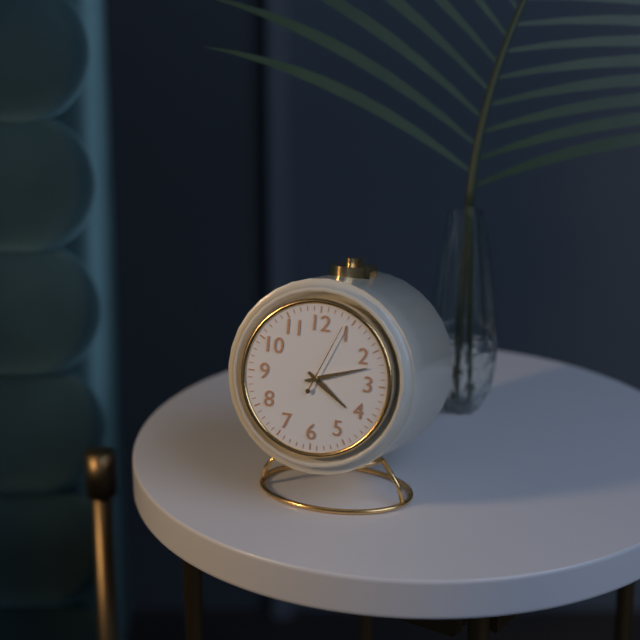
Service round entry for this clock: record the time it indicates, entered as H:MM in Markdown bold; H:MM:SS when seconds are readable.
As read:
**4:12:04**
